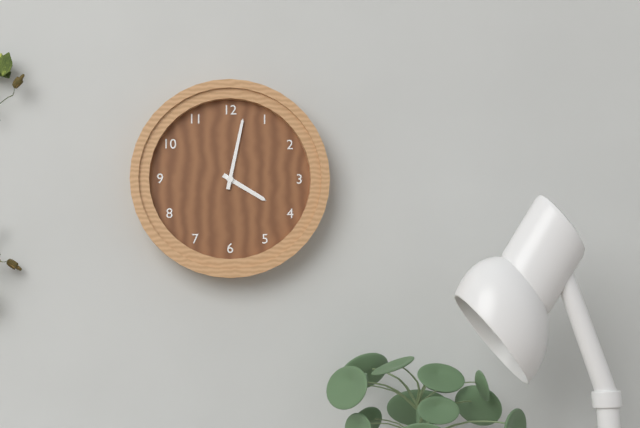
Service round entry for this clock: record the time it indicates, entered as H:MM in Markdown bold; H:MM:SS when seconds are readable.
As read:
**4:02**
